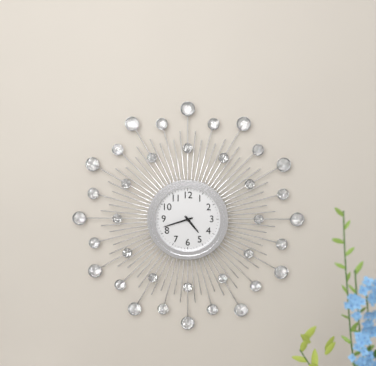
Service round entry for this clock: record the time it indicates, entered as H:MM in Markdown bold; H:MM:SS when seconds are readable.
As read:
**4:42**
